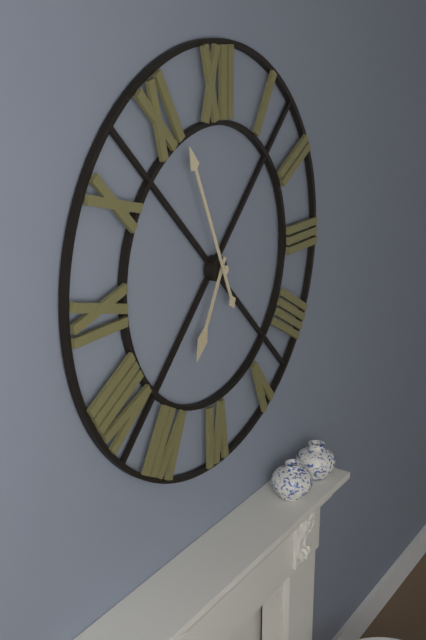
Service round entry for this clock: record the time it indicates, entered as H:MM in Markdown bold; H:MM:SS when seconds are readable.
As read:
**6:56**
